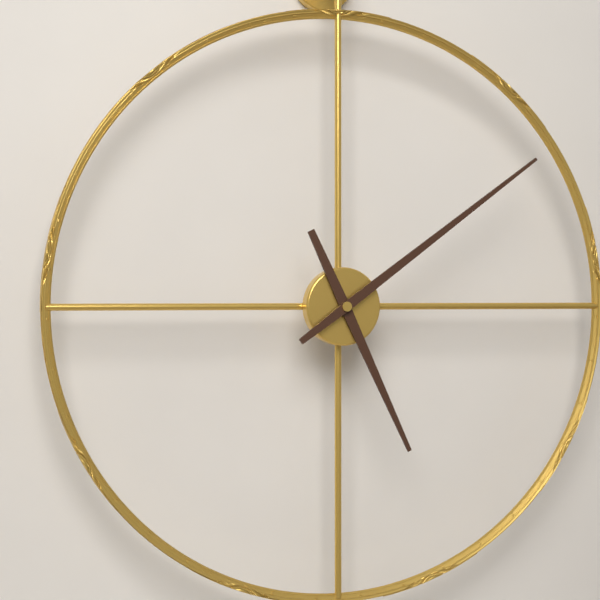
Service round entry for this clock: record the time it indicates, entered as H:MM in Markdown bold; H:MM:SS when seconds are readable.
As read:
**5:09**
